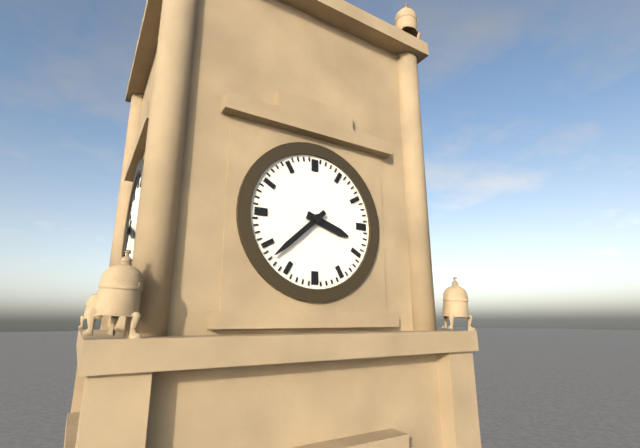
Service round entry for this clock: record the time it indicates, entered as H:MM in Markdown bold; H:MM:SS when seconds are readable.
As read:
**3:38**
